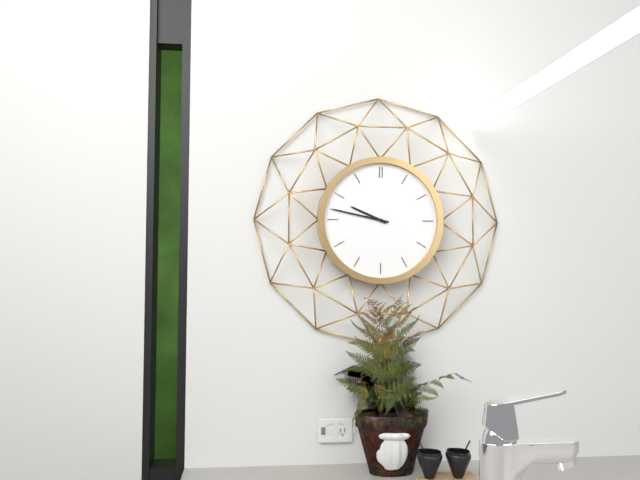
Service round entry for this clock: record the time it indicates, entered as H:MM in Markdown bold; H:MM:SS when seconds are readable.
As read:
**9:47**
